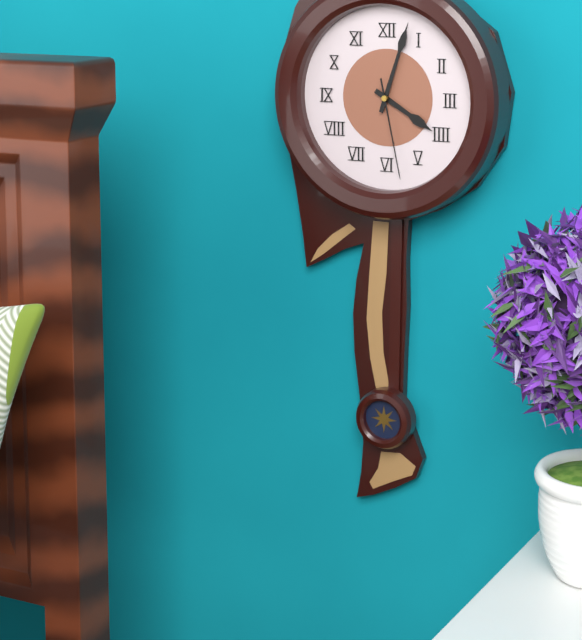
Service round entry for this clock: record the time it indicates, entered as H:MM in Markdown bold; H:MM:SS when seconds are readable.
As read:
**4:03:28**
